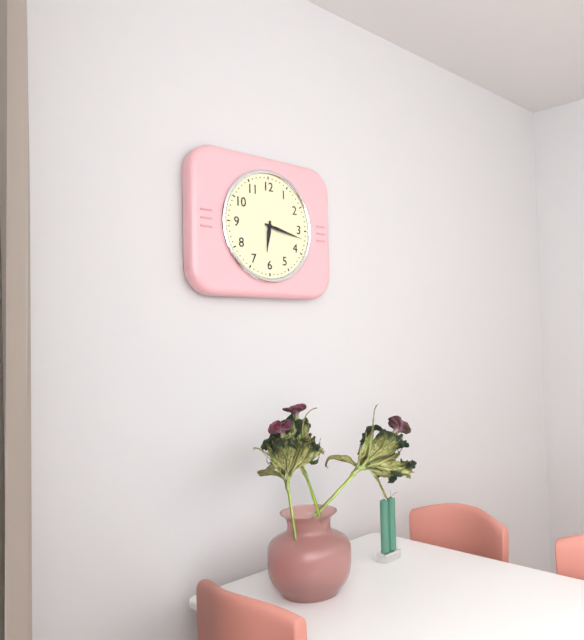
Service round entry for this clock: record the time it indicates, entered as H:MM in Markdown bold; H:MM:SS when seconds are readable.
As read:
**6:17**
